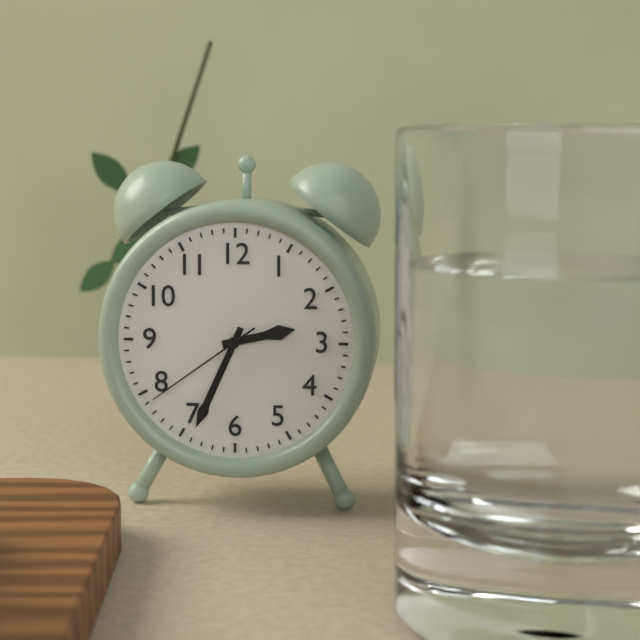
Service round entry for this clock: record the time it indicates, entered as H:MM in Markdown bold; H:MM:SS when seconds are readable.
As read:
**2:34:39**
